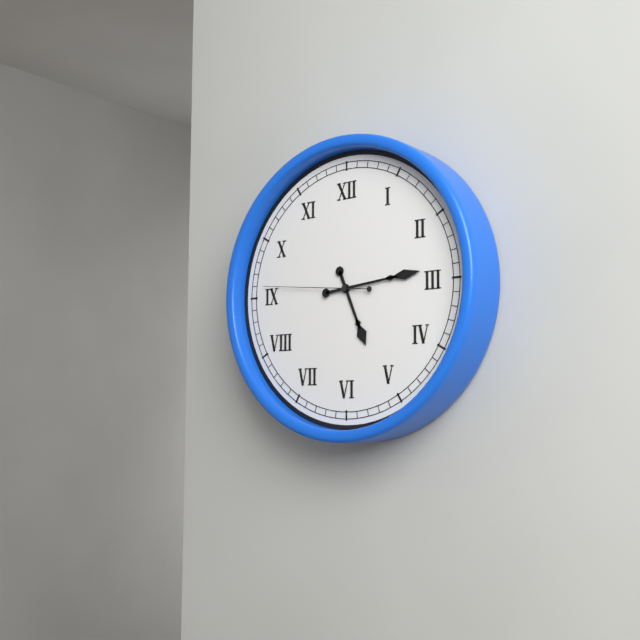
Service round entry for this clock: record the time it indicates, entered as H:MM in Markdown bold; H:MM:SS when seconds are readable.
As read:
**5:14:46**
